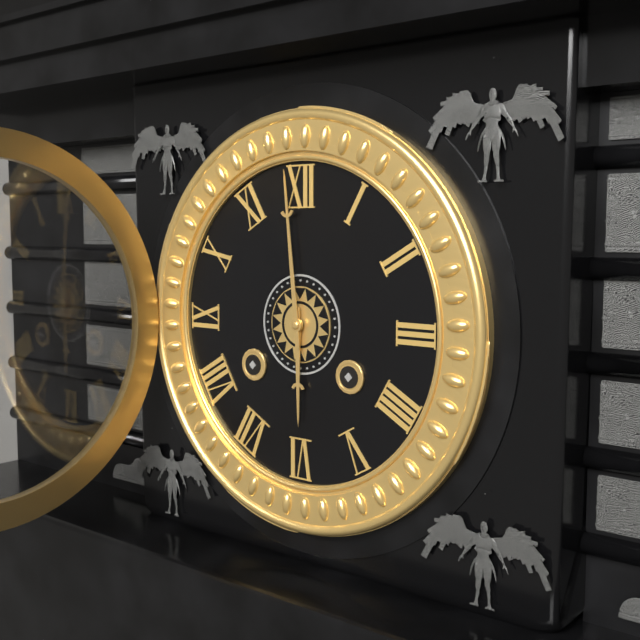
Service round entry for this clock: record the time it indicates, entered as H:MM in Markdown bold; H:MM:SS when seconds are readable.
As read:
**5:59**
